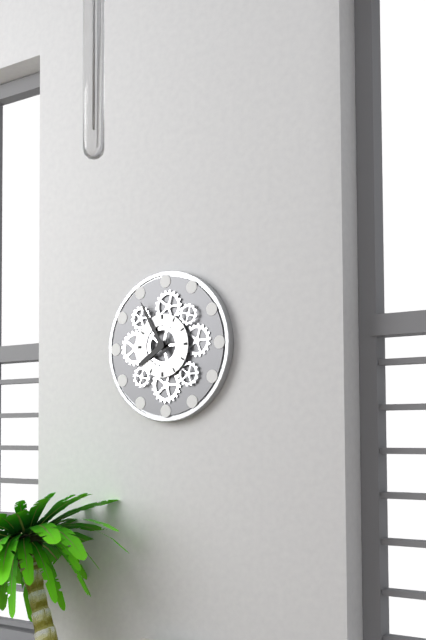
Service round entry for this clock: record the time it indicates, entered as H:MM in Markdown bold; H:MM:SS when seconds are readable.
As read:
**7:55**
